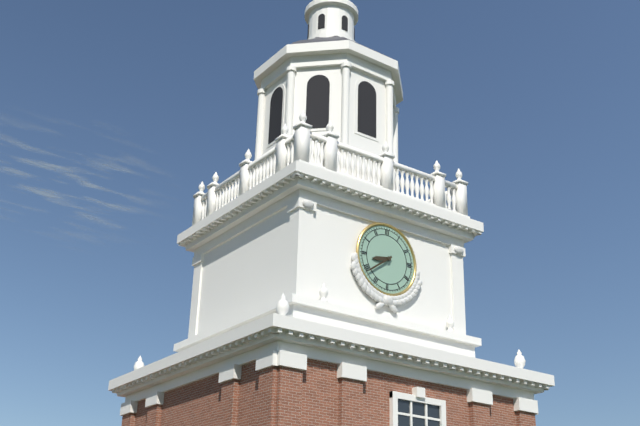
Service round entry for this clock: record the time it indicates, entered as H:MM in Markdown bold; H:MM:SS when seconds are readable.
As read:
**8:39**
